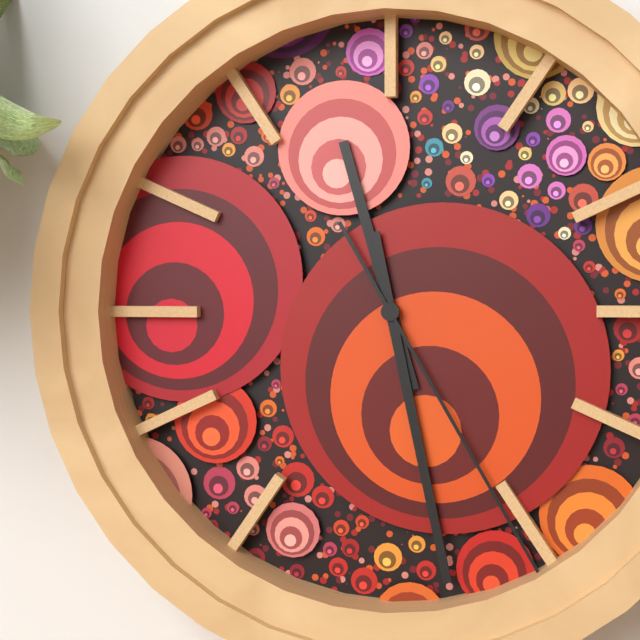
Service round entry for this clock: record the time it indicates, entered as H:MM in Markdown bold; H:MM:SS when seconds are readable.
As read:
**11:28:25**
